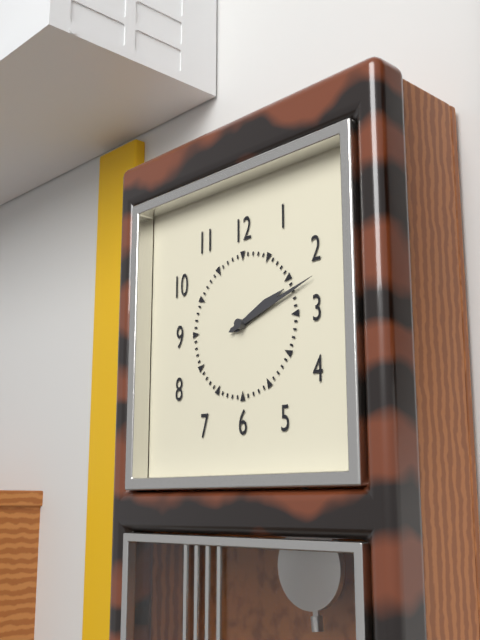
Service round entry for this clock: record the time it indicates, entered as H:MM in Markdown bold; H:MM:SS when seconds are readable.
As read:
**2:12**
